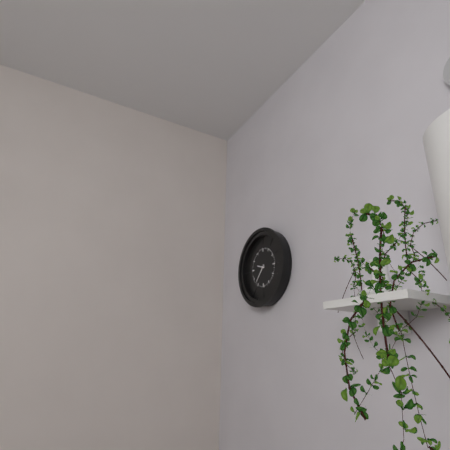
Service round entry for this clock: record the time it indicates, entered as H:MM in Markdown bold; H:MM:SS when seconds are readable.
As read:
**9:37**
